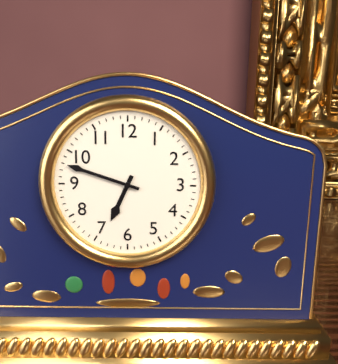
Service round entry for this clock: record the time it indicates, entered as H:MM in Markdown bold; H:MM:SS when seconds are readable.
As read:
**6:48**
